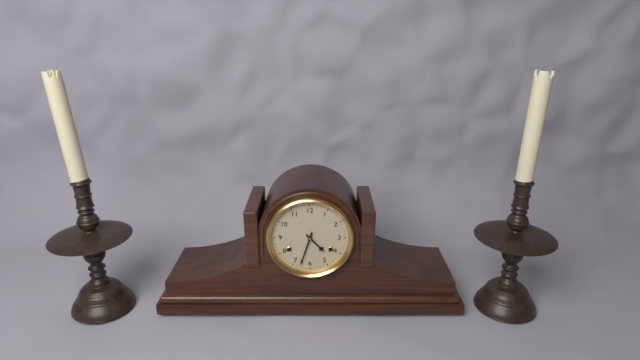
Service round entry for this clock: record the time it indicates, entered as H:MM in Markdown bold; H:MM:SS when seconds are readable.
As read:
**4:33**
